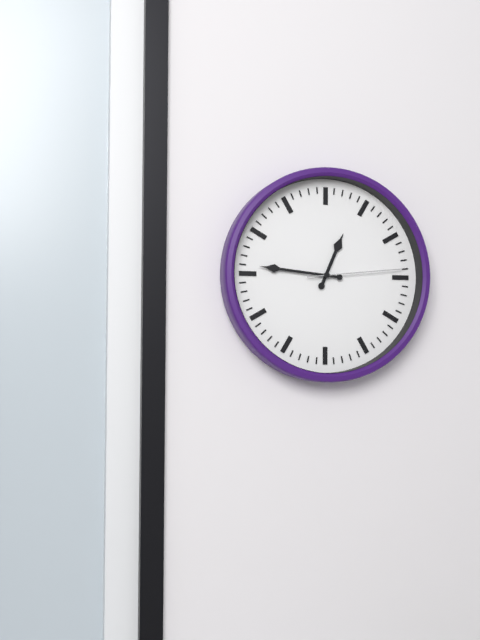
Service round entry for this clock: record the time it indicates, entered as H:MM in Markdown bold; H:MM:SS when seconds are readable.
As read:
**12:46:14**
